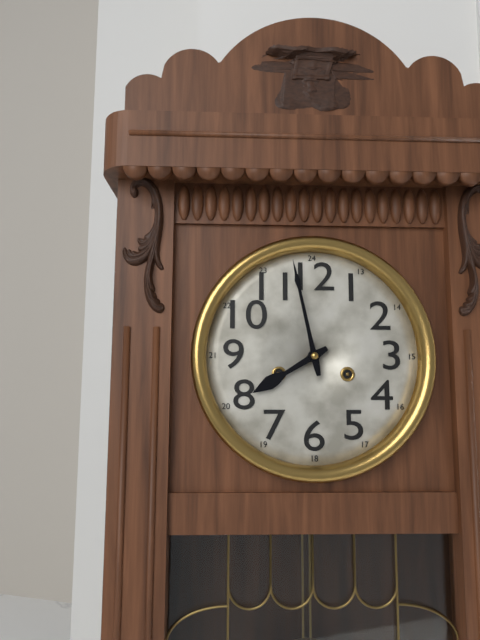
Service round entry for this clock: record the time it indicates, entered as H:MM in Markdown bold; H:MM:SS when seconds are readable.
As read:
**7:58**
